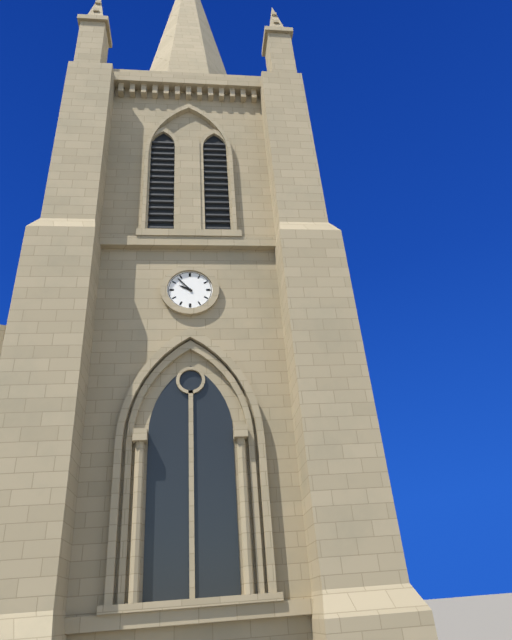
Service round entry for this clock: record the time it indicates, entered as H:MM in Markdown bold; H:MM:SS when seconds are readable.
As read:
**9:53**
